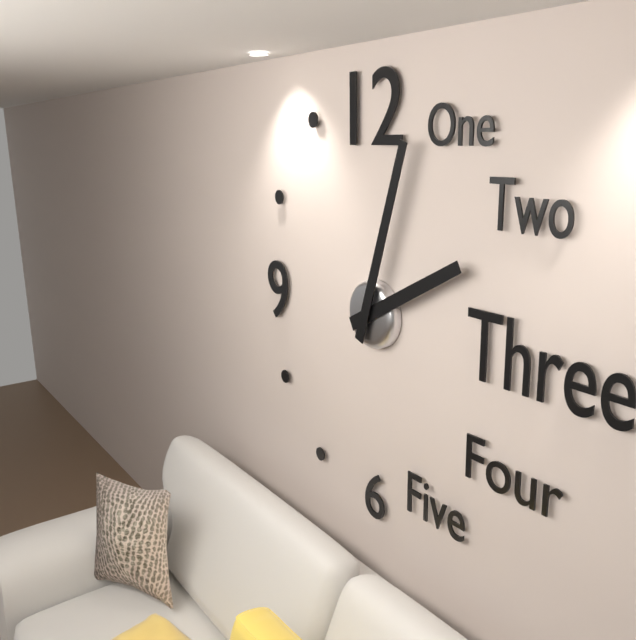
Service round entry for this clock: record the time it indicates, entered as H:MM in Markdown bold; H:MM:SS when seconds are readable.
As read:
**2:03**
